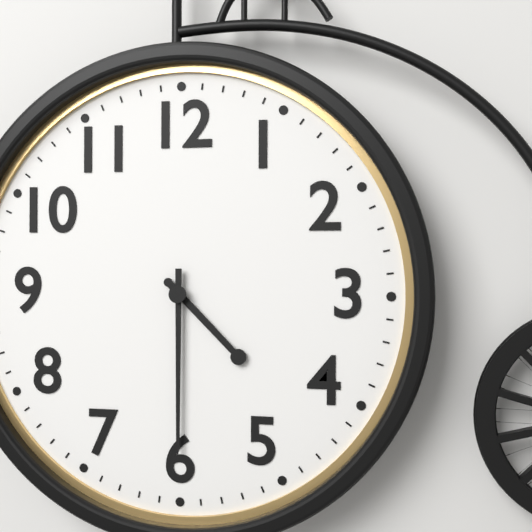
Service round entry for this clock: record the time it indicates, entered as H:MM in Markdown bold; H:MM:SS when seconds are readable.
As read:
**4:30**
